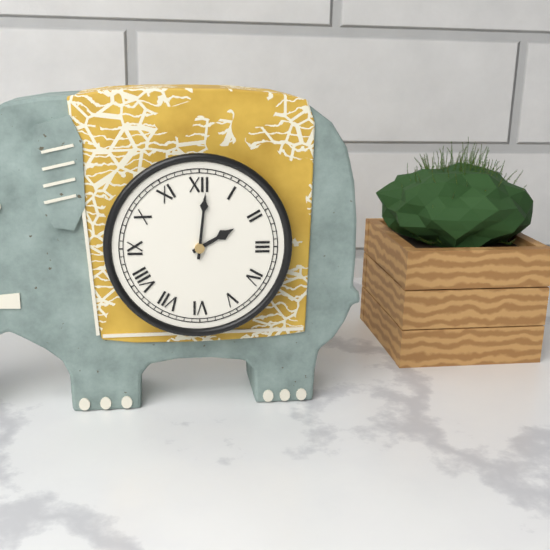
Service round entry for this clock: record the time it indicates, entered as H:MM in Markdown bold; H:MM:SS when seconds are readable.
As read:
**2:01**
